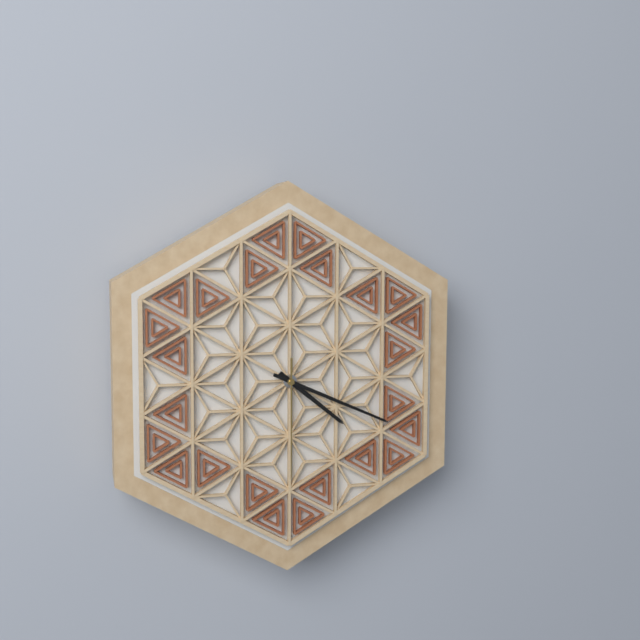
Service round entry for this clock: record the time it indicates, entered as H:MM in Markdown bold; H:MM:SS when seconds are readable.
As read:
**4:19:30**
